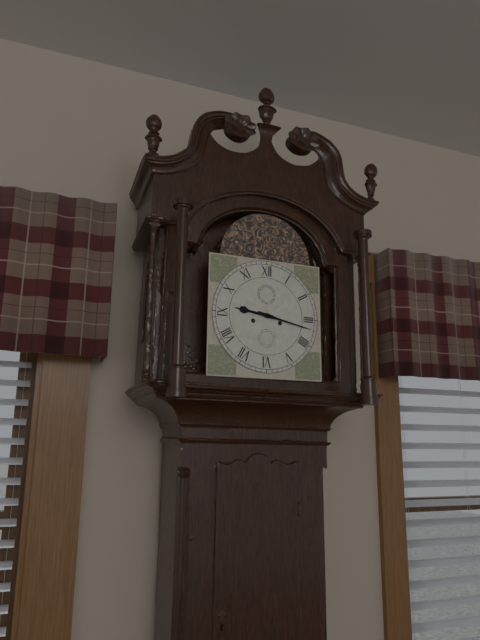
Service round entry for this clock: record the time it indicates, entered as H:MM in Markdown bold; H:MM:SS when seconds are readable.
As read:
**9:17**
